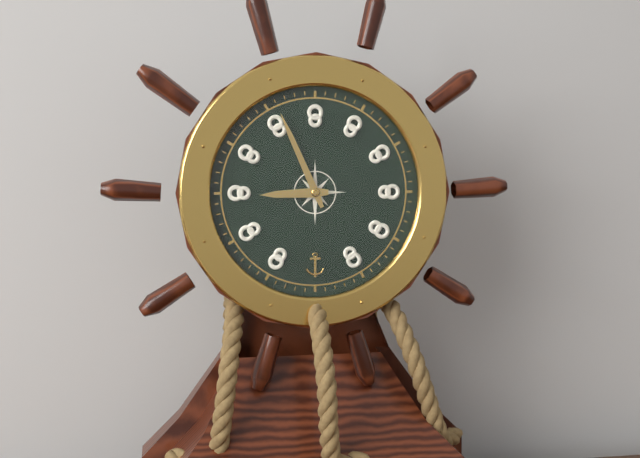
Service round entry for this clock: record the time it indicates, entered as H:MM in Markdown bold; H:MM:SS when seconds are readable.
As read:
**8:56**
